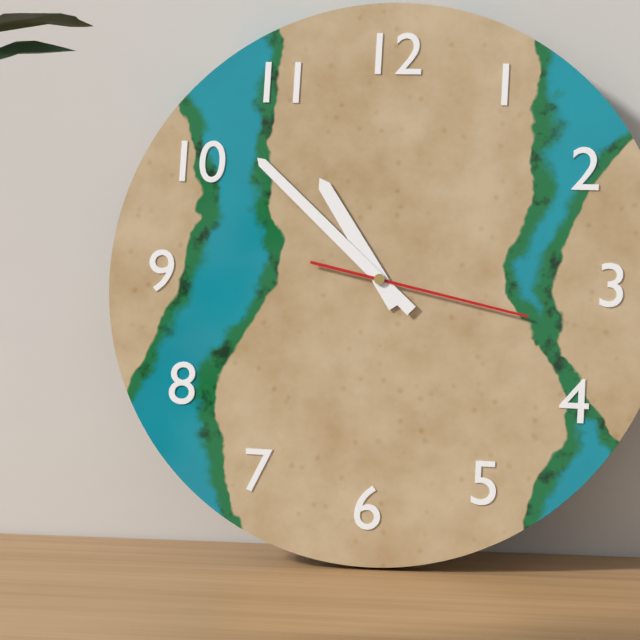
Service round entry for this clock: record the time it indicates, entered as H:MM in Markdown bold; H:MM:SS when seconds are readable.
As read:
**10:52:17**
